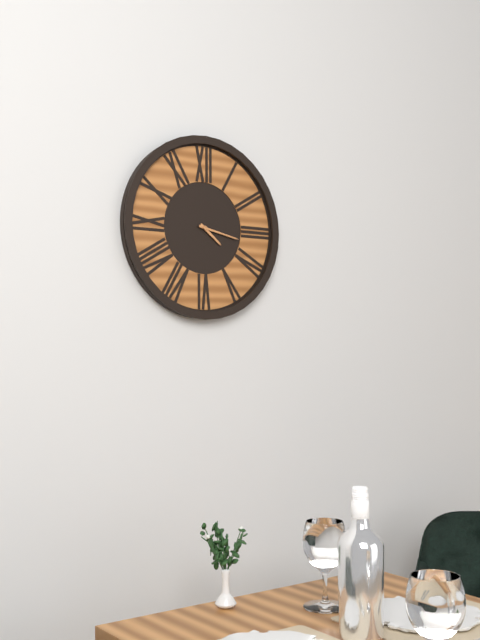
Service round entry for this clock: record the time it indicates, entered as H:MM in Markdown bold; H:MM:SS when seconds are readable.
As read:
**4:17**
